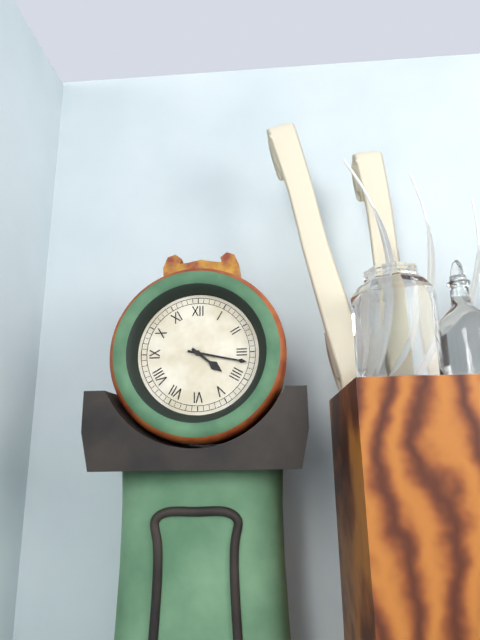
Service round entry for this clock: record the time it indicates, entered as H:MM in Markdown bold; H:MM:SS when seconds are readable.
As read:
**4:17**
